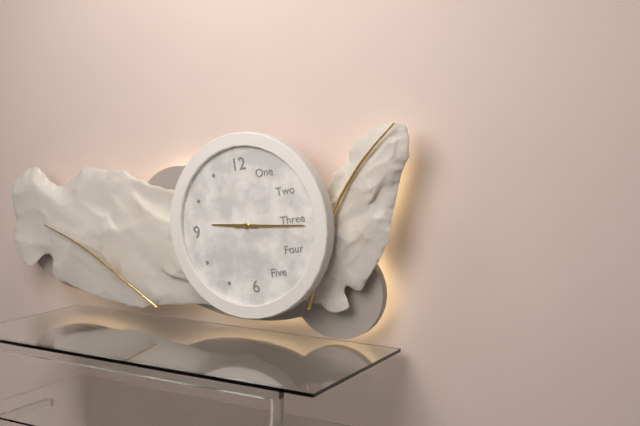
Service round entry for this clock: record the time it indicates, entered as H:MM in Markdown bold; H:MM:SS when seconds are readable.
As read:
**9:16**
